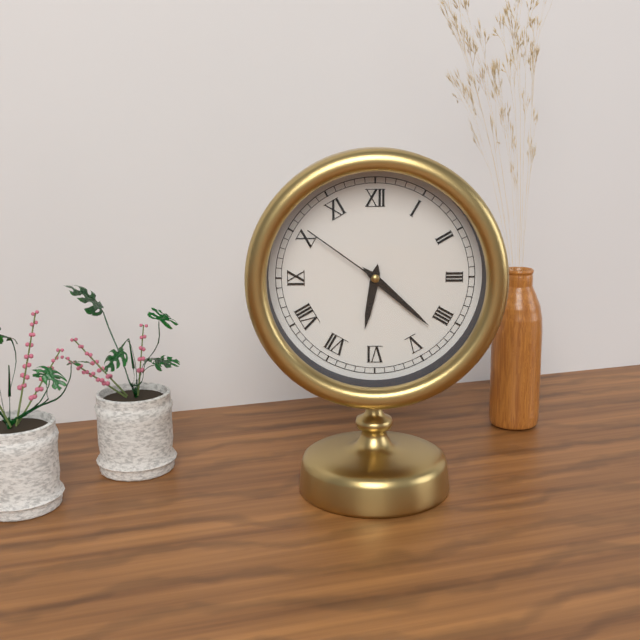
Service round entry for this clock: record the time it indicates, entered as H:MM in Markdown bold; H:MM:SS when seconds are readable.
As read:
**6:22:51**
